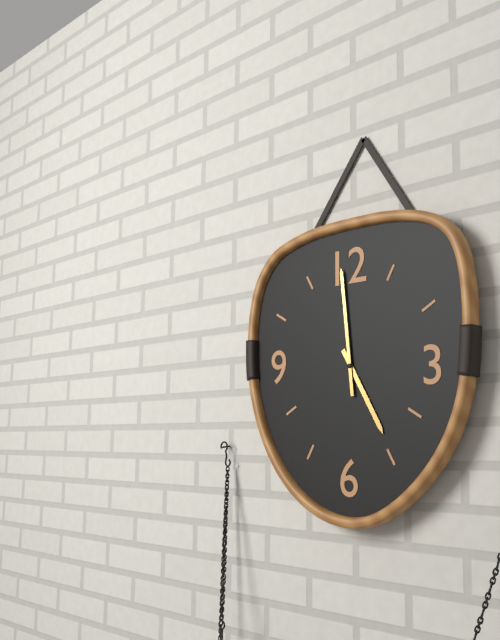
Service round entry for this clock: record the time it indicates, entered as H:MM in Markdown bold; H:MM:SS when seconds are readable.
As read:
**4:59**
